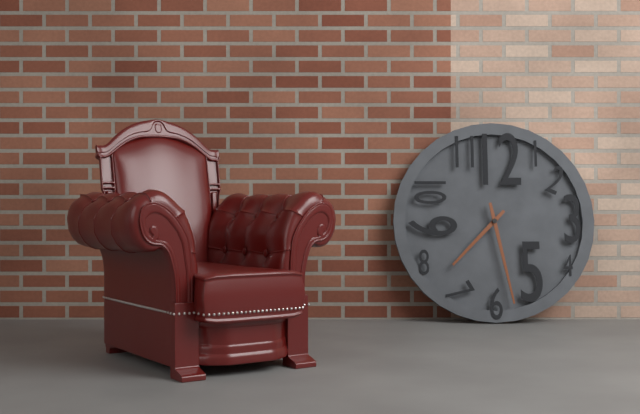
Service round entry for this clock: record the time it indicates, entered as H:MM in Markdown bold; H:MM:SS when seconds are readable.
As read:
**7:28**
